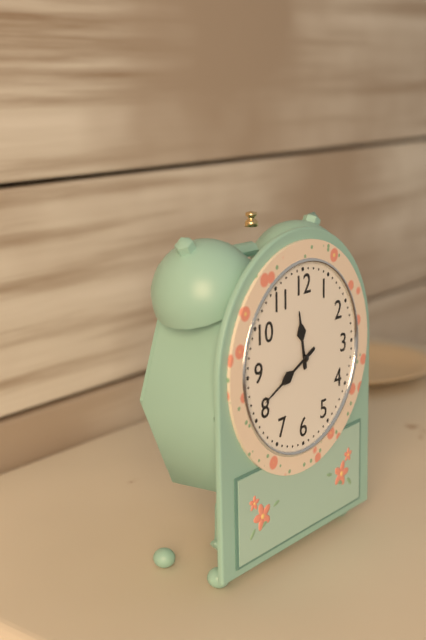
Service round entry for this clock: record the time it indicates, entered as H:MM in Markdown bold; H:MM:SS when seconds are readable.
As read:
**11:41**
